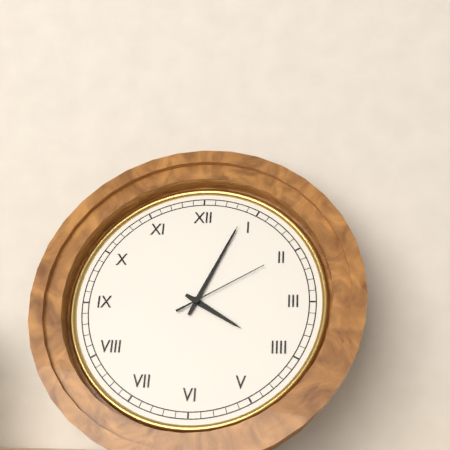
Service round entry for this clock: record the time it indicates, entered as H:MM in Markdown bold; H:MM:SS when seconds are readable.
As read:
**4:04:10**
